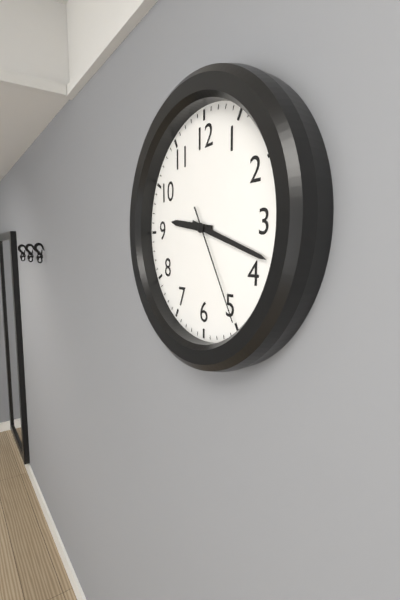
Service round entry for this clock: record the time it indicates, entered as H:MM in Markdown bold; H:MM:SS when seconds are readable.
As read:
**9:18:25**
